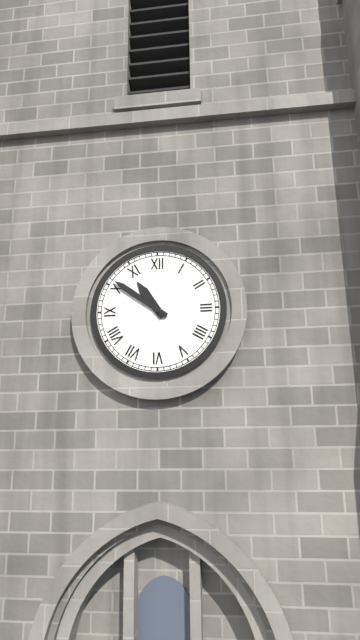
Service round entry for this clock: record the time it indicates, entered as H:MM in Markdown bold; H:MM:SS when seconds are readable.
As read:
**10:51**
